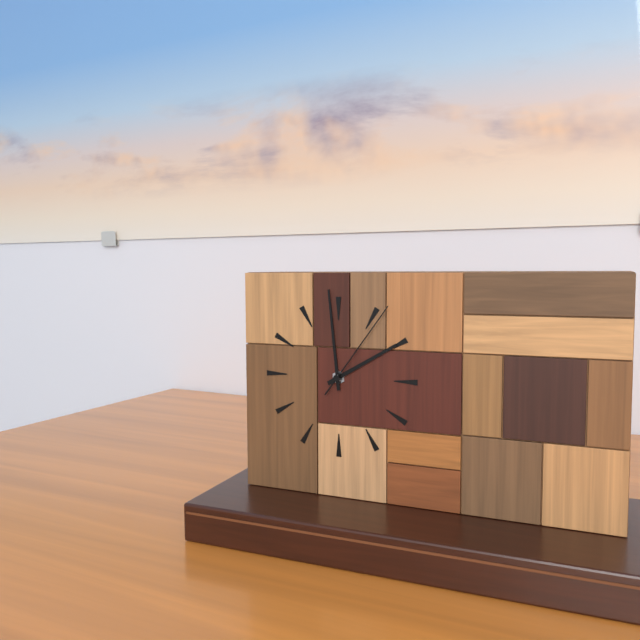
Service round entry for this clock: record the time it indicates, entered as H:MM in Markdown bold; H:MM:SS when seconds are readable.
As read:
**1:59:06**
